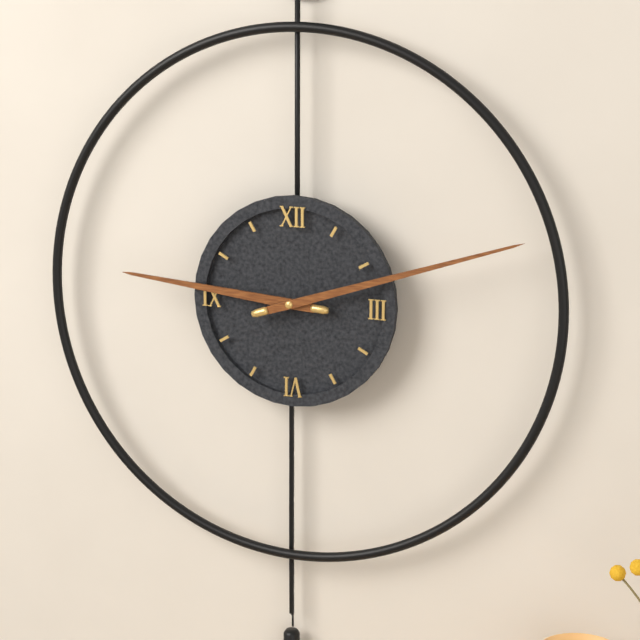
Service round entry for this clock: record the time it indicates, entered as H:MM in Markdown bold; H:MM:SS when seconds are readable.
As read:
**9:12**
